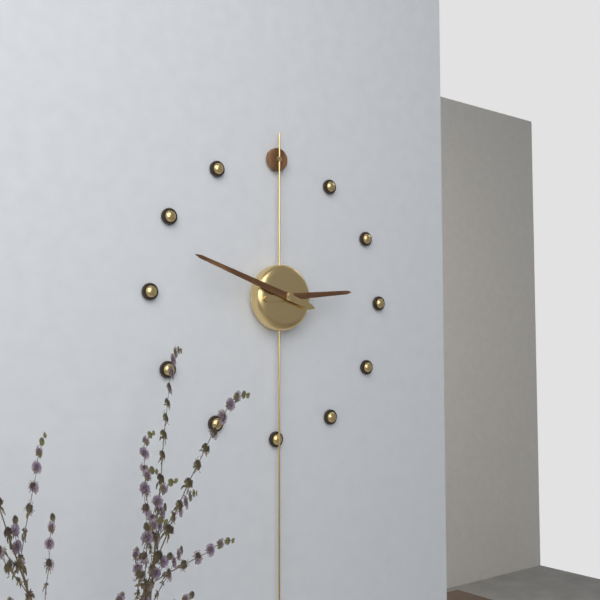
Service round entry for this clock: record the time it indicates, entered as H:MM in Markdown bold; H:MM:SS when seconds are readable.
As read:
**2:48**
